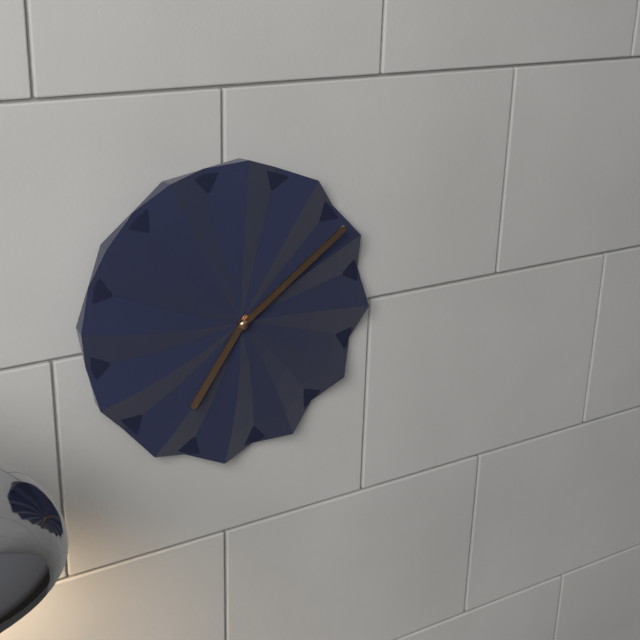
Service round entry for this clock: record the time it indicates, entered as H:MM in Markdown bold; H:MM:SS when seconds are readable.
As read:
**7:09**
